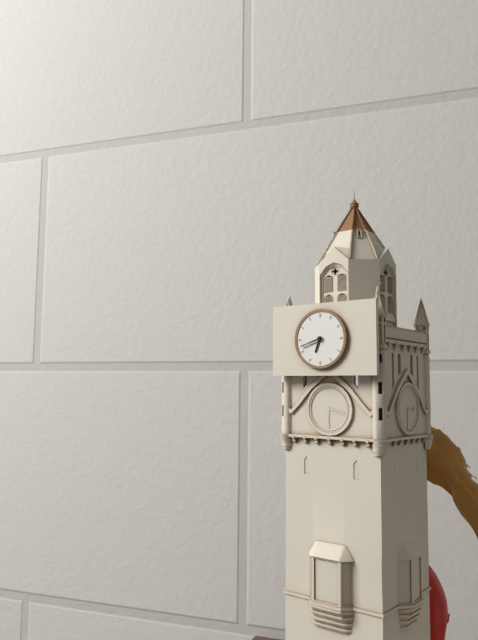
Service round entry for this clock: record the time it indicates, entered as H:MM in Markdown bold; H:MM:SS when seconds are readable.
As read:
**6:42**
